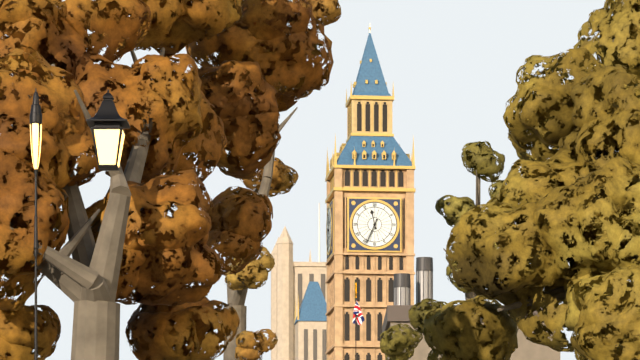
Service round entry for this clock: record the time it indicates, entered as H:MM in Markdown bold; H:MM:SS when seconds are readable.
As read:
**11:34**
